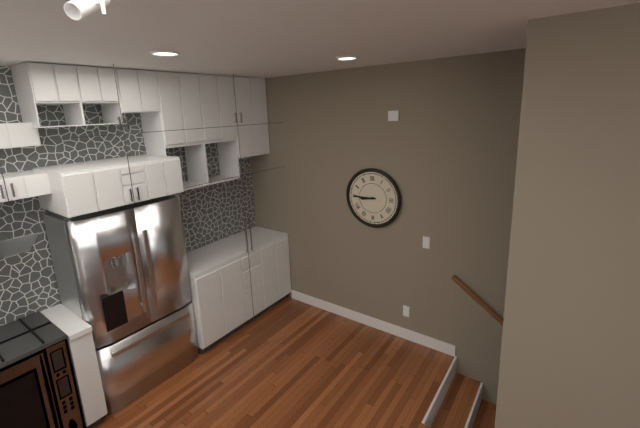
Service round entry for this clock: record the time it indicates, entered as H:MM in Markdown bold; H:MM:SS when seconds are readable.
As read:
**8:45**
